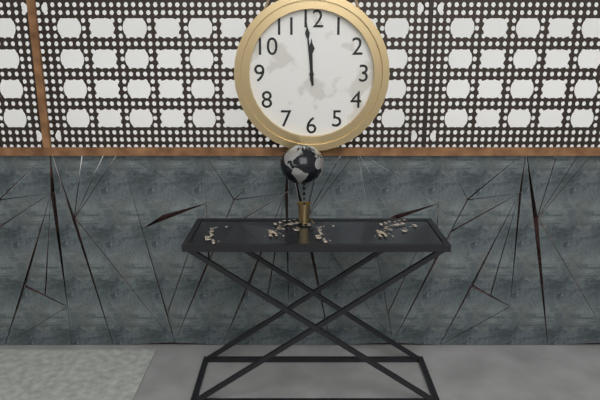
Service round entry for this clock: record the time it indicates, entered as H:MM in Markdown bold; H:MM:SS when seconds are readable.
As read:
**11:59**
